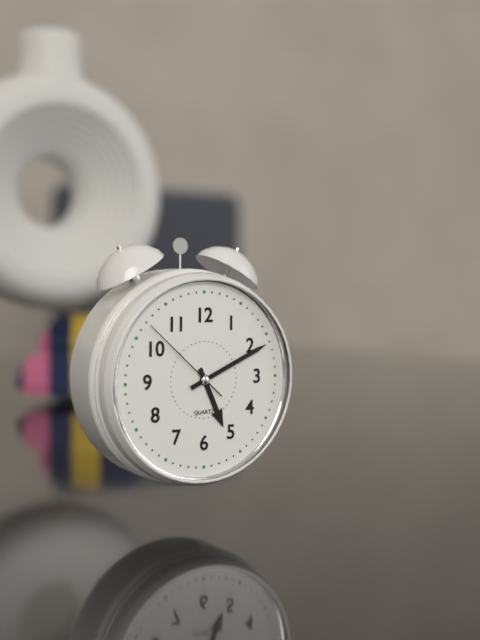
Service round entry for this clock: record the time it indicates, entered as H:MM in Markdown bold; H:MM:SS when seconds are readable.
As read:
**5:11:52**
